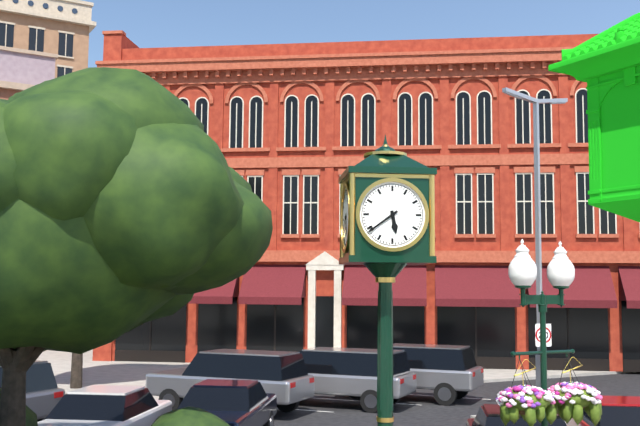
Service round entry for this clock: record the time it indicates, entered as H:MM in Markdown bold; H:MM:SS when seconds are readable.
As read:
**5:39**
